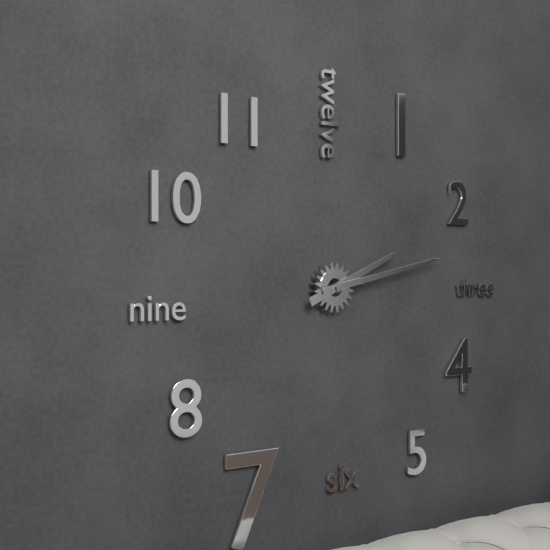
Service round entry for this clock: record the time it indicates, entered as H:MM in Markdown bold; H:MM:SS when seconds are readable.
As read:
**2:13**
